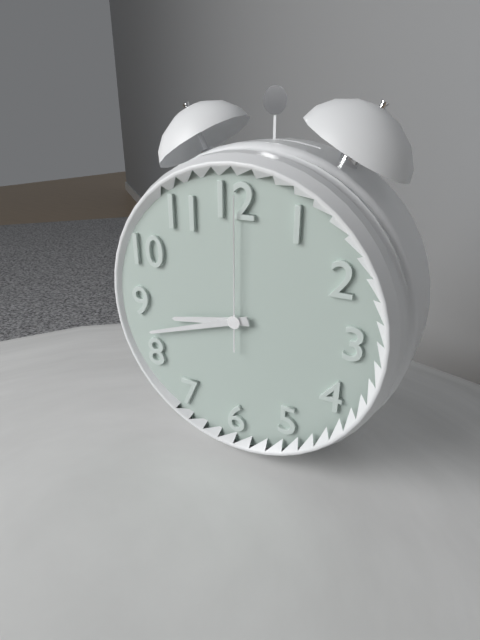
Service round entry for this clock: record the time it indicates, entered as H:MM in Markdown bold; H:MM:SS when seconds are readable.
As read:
**8:42:00**
